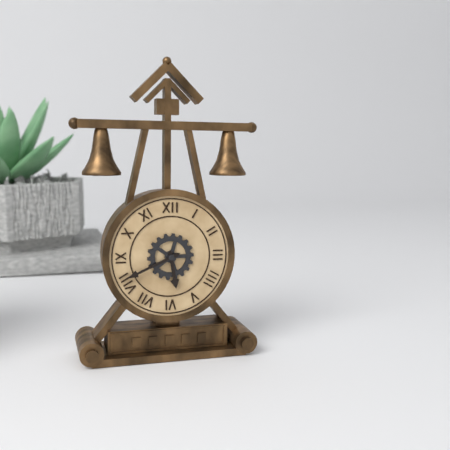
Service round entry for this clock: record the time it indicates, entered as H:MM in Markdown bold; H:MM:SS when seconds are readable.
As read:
**5:41**
